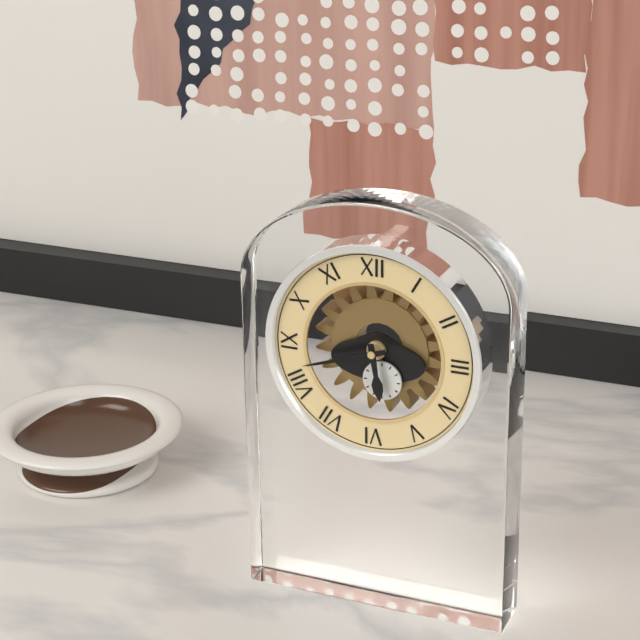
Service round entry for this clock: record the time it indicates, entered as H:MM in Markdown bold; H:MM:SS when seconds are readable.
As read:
**5:42**
